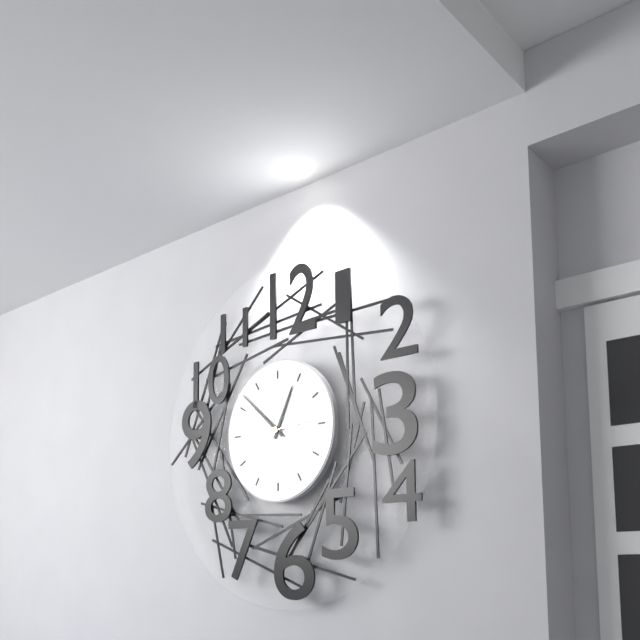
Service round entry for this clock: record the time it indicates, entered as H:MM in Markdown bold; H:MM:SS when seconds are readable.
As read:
**12:52:14**
